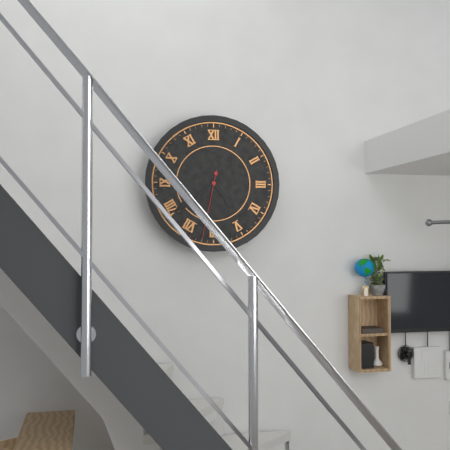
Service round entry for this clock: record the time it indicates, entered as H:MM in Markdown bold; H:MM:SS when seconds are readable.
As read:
**4:39:32**
